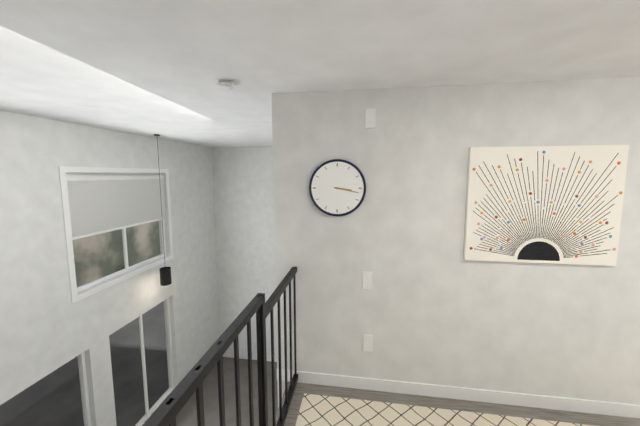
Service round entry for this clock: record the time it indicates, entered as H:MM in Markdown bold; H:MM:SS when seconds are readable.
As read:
**3:17**
